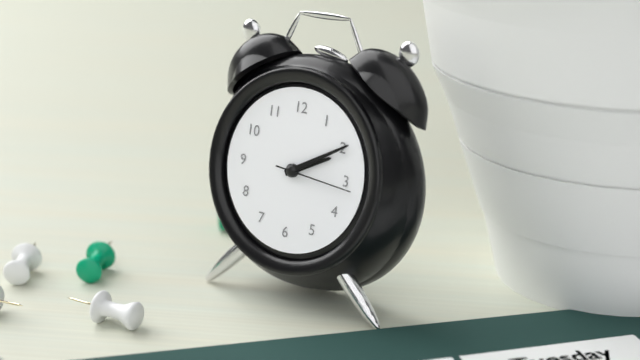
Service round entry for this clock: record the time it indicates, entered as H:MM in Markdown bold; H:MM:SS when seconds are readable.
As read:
**2:10:16**
